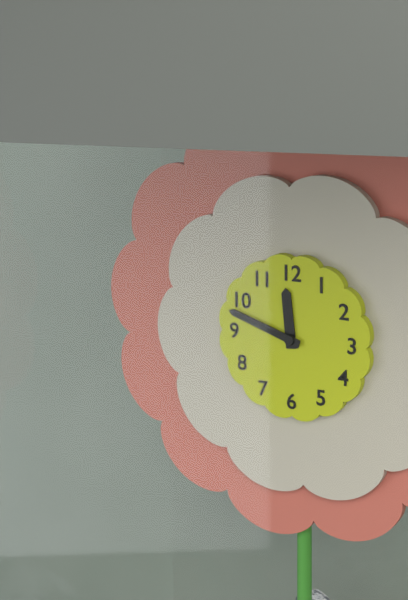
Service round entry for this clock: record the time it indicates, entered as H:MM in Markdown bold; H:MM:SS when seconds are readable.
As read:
**11:48**
